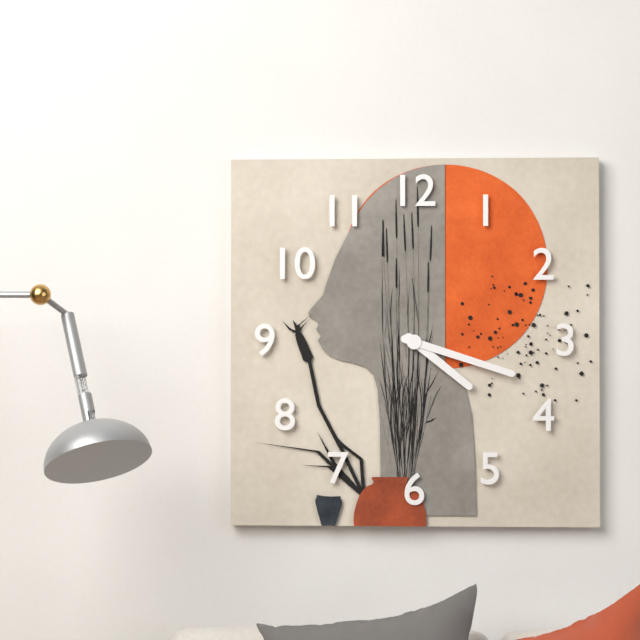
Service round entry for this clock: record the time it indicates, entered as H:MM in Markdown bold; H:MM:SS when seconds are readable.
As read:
**4:18**
